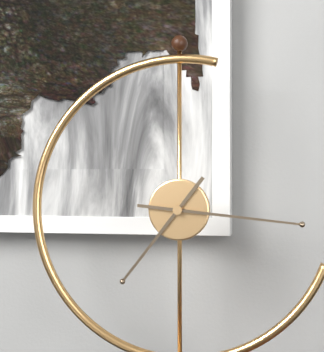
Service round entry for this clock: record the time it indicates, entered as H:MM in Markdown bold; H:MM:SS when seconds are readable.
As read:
**7:16**
